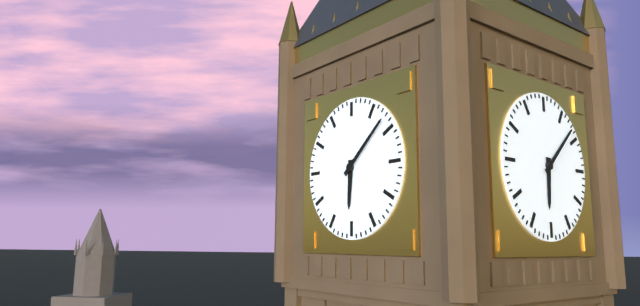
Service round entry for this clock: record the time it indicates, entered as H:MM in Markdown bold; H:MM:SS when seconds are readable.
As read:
**6:08**
